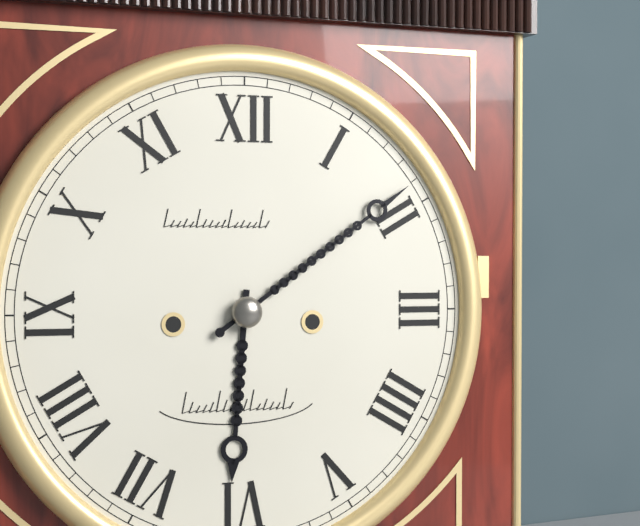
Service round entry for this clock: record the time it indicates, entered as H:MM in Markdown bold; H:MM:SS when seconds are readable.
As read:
**6:09**
